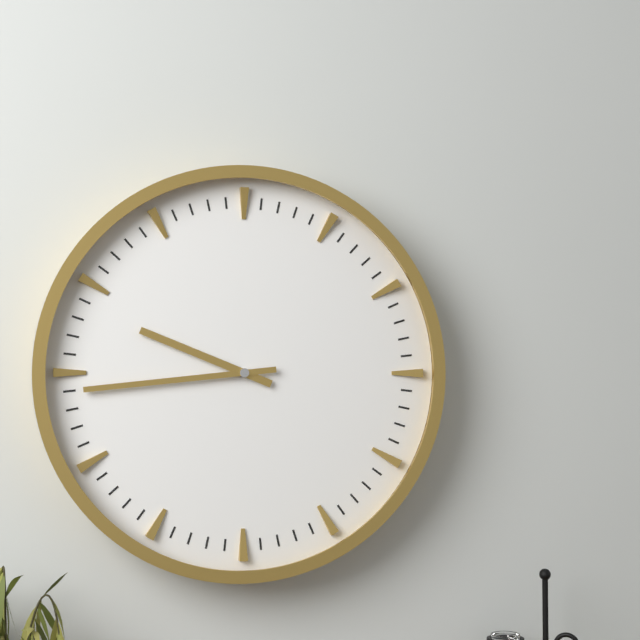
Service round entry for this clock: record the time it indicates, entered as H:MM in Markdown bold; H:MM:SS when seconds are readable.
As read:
**9:44**
